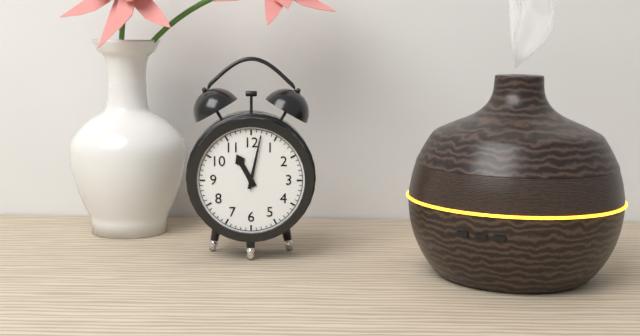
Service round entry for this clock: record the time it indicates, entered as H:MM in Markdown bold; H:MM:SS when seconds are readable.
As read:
**11:02**
